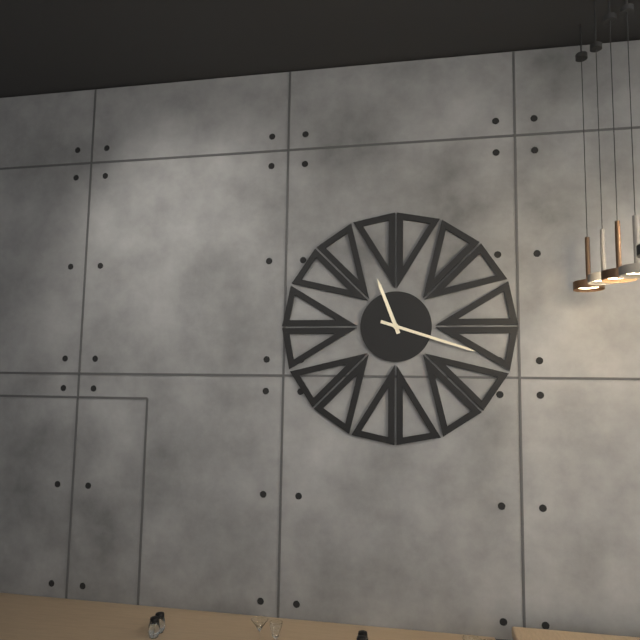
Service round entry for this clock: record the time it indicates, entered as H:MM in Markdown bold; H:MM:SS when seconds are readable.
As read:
**11:18**
